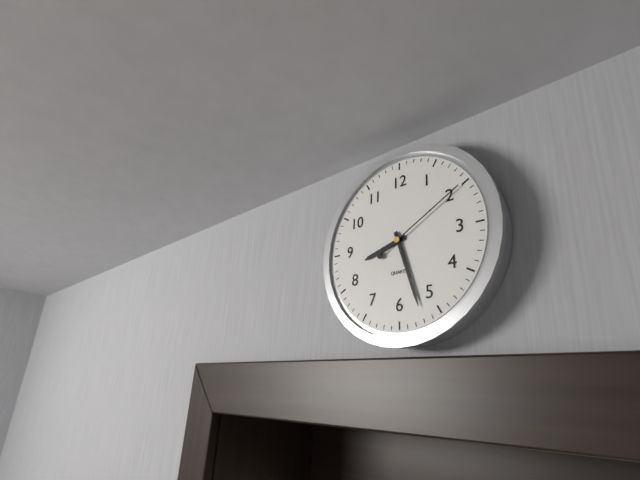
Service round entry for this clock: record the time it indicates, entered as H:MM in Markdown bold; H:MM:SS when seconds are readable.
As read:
**8:27:10**
